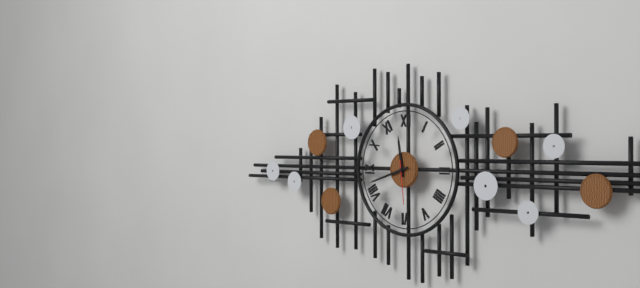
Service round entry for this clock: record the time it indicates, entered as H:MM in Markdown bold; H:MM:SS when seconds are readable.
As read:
**11:42**
